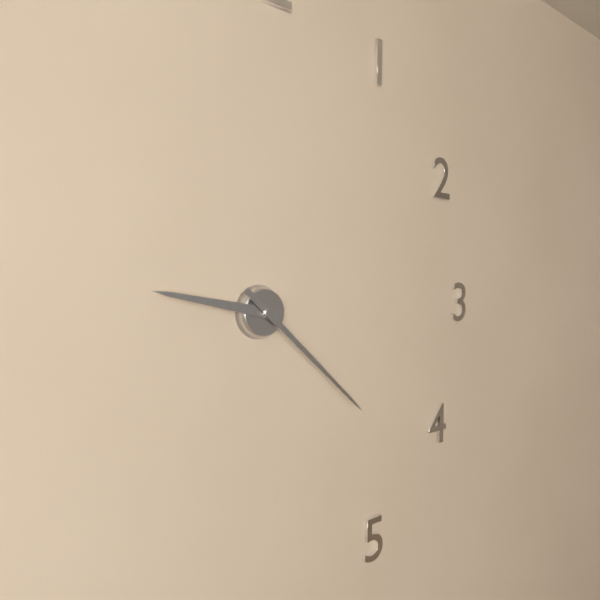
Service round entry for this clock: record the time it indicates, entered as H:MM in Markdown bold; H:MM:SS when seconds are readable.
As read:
**9:22**
